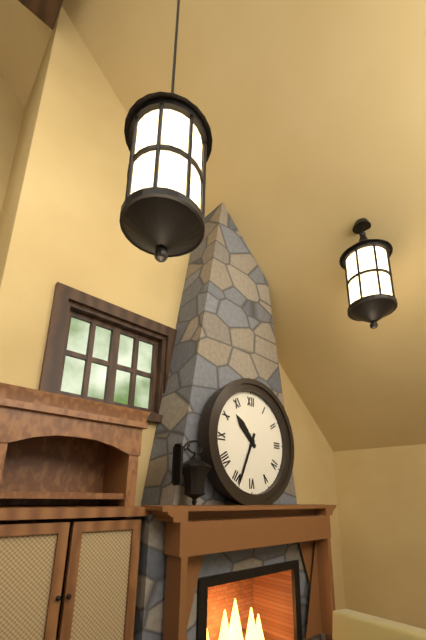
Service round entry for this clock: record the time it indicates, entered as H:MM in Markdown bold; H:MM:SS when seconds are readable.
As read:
**10:34**
